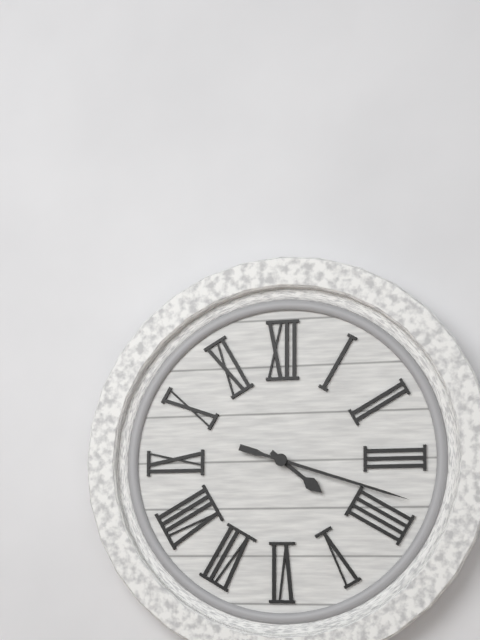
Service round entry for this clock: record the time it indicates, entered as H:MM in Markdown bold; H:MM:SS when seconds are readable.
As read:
**4:18**
